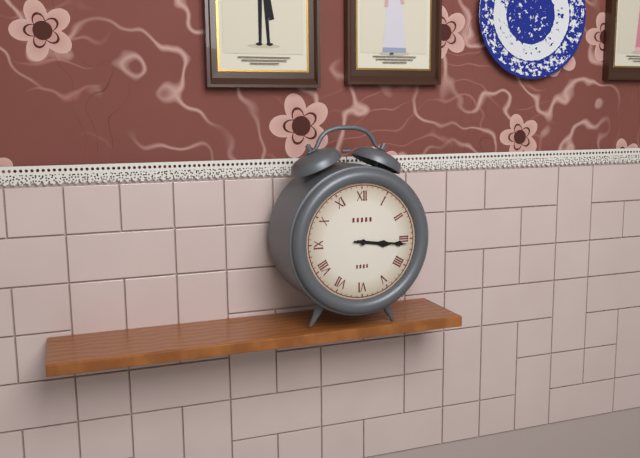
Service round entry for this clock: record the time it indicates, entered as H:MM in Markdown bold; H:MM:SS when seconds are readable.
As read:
**3:16**
